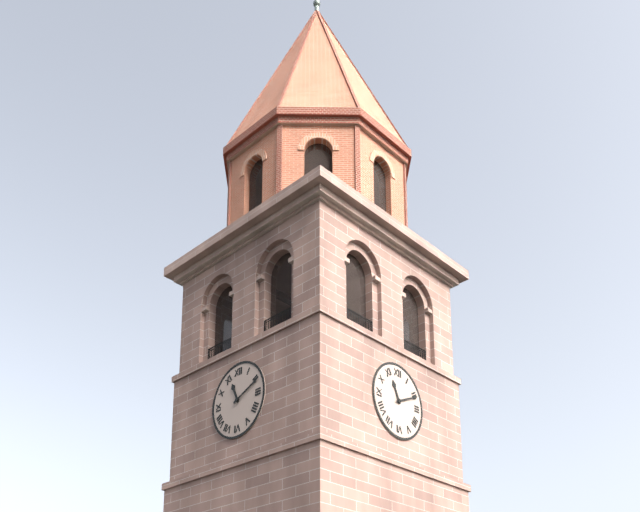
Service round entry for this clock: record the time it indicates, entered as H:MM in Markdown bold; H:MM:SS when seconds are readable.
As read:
**11:11**
